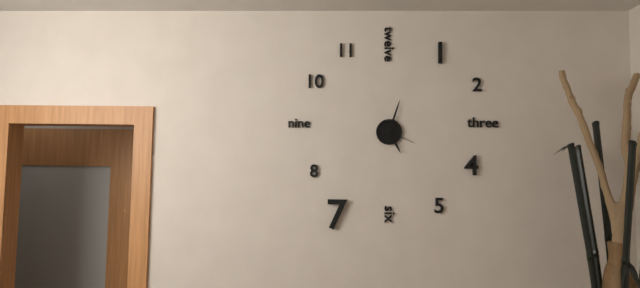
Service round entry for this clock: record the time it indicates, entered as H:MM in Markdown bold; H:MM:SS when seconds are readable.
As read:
**5:03**
